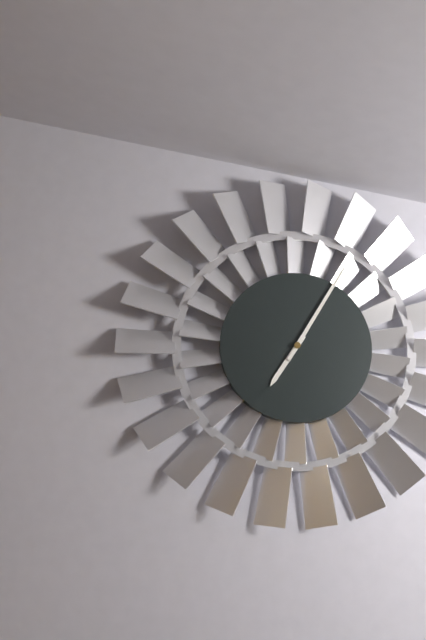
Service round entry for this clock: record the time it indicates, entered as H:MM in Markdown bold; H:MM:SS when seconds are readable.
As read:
**7:05**
